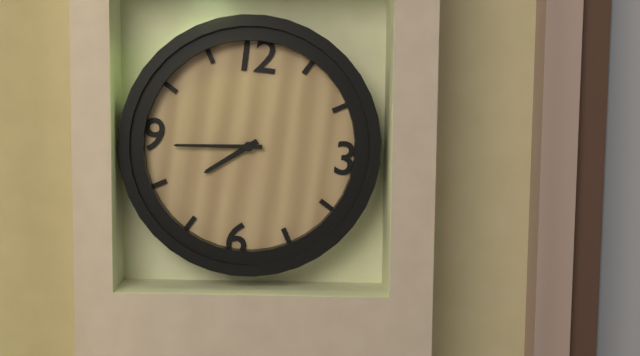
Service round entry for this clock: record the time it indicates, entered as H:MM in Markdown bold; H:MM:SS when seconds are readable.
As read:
**7:44**
